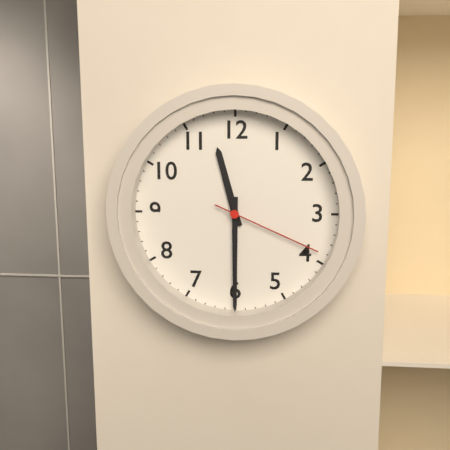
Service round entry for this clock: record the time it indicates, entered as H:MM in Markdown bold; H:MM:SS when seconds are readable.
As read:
**11:30:19**
